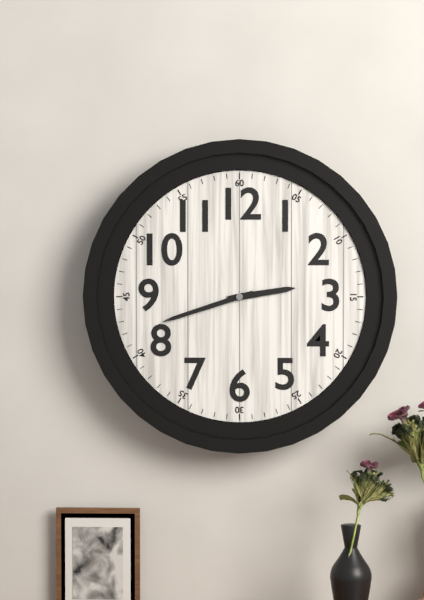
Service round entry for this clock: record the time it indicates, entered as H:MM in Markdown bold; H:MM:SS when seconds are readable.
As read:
**2:42**
